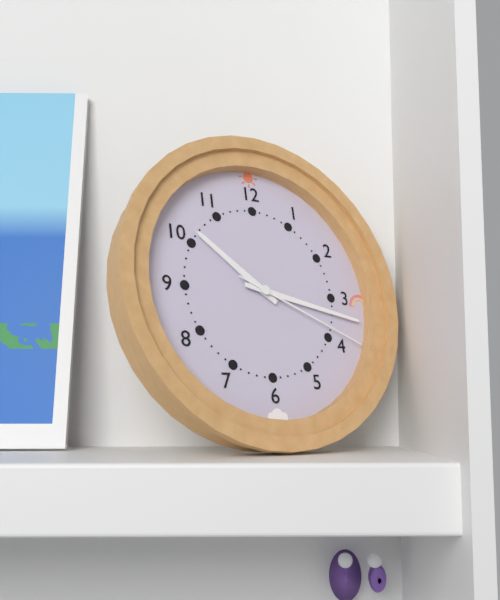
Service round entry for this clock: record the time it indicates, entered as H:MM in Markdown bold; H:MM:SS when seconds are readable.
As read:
**10:17:19**
